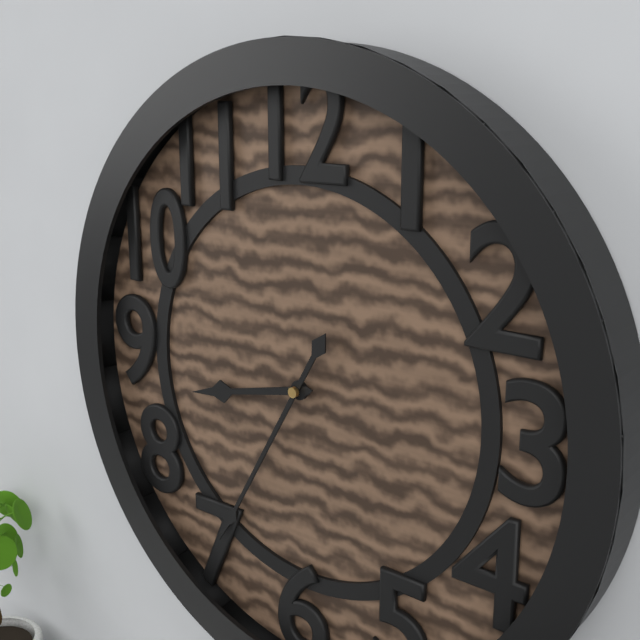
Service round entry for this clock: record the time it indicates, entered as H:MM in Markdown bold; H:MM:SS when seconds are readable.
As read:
**8:35**
